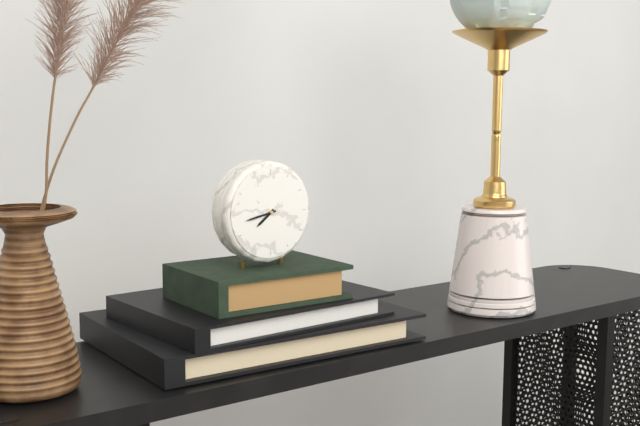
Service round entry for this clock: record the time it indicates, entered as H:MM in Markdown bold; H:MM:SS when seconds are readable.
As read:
**7:43**
